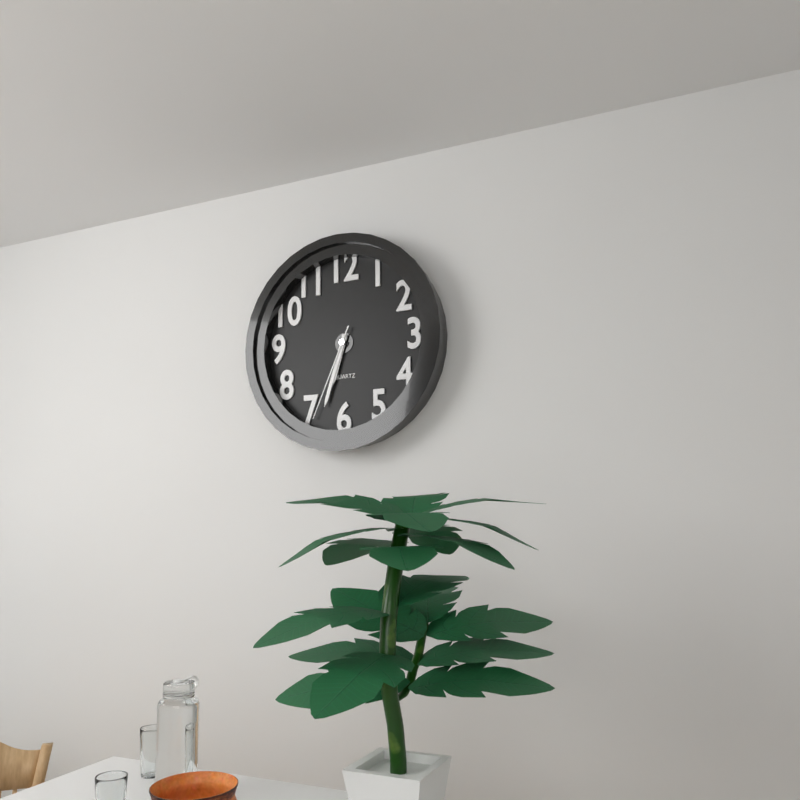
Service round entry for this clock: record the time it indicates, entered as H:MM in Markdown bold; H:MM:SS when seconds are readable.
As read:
**6:33:34**
